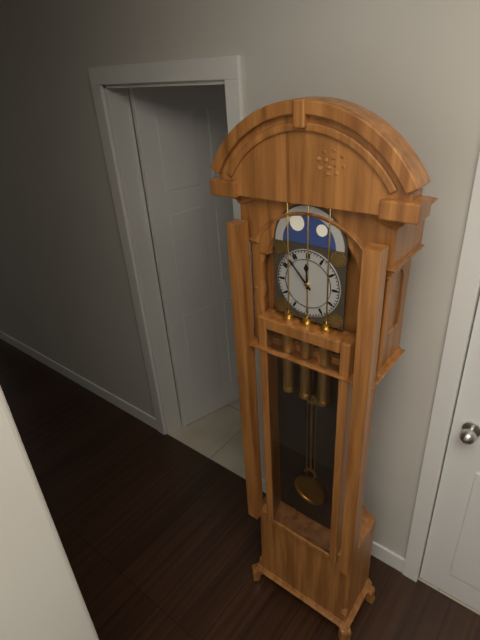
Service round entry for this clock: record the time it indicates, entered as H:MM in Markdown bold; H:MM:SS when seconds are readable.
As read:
**11:53**
